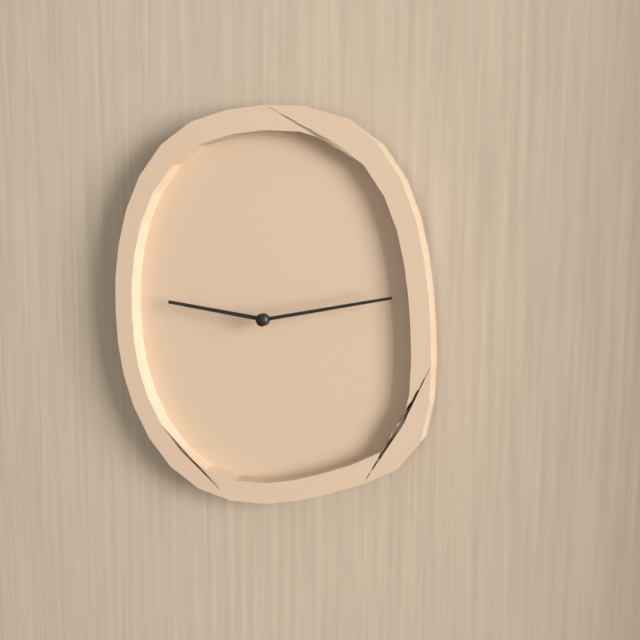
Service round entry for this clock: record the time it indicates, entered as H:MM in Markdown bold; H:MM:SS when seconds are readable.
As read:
**9:13**
